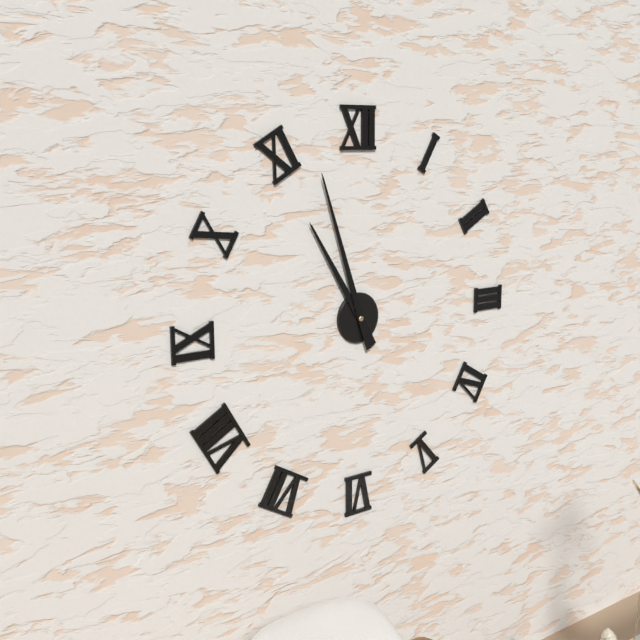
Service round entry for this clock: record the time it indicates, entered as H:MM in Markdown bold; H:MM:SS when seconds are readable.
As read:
**10:57**
